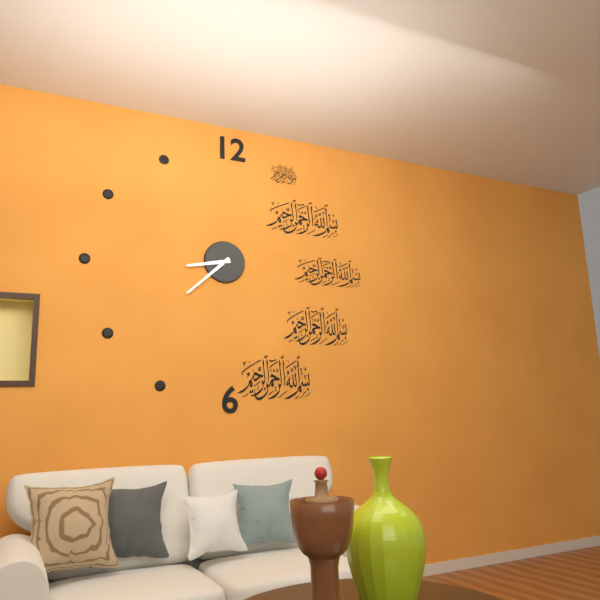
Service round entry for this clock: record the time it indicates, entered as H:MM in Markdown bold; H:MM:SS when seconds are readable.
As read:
**8:38**
